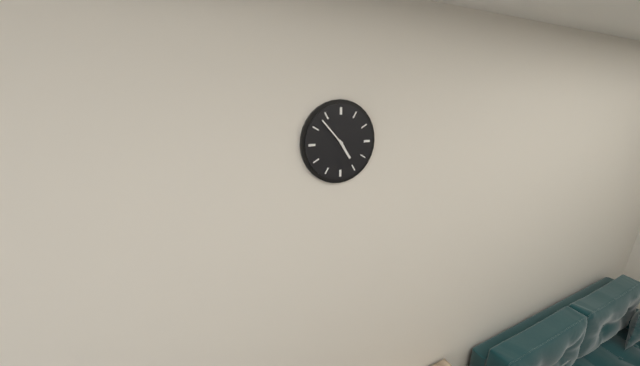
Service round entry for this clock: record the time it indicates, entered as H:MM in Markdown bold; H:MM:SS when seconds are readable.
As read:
**4:53**
